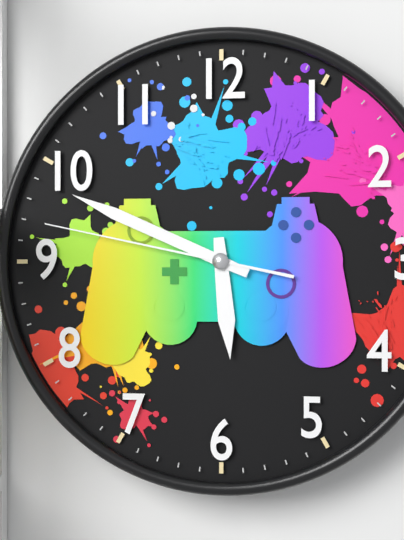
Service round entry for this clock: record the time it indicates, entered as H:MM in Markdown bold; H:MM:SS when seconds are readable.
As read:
**5:49:47**
